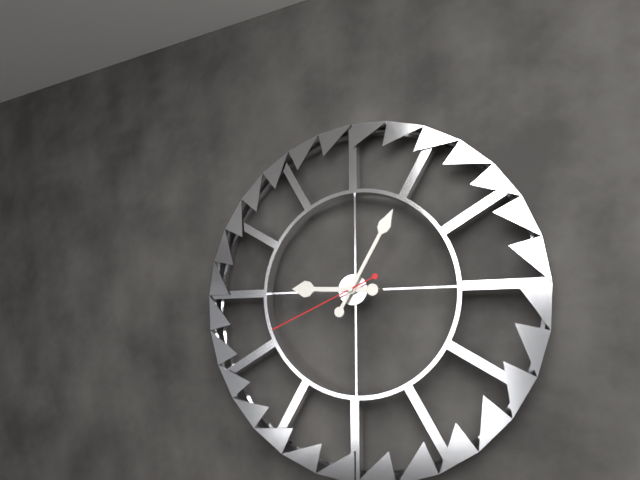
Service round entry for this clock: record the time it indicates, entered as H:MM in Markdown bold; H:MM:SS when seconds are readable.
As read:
**9:05:41**
